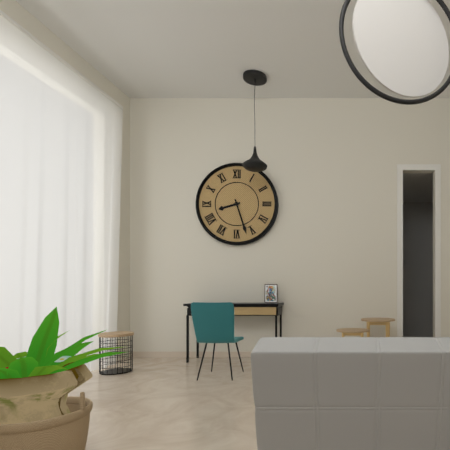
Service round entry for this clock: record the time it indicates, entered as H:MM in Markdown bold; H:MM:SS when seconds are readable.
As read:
**8:27**
